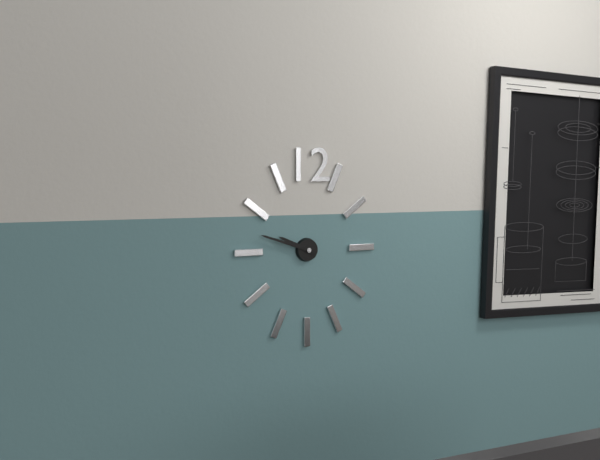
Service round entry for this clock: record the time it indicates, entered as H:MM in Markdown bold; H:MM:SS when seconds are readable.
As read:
**9:48**
